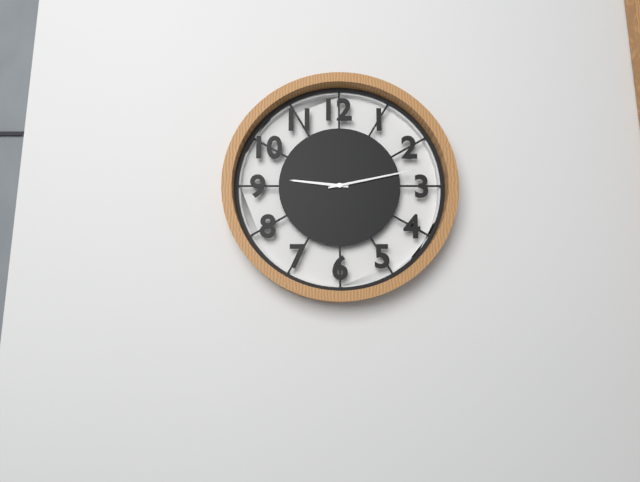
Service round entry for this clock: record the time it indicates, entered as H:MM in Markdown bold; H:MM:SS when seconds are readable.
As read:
**9:13**
